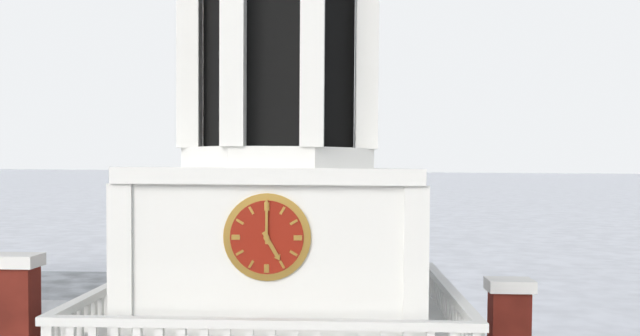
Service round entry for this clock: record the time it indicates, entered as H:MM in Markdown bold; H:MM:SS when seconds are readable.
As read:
**5:00**
